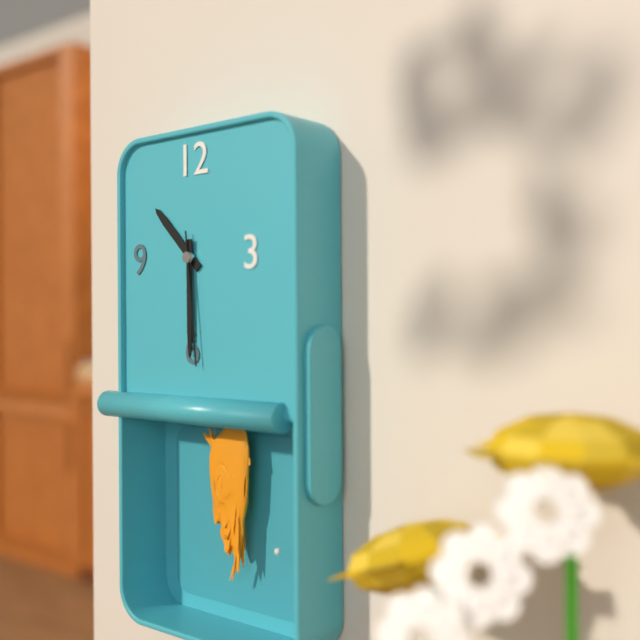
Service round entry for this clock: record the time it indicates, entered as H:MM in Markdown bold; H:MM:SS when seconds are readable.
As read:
**10:30:29**
